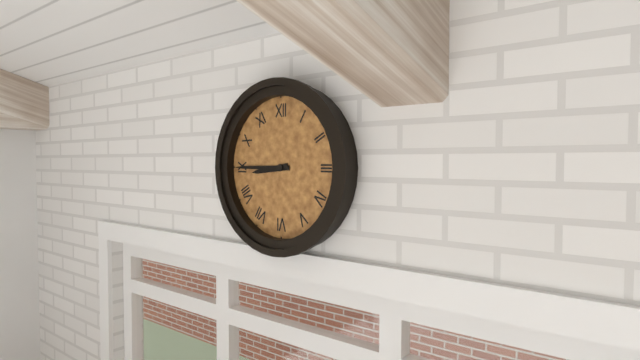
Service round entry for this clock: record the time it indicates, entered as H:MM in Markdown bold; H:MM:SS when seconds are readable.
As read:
**8:45**
